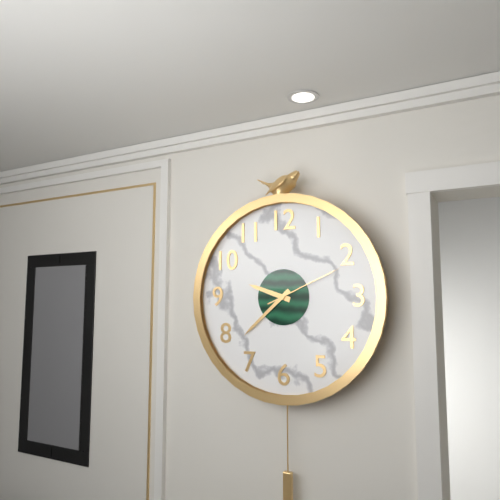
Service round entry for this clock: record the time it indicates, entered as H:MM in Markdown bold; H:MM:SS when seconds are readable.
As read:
**9:38:11**
